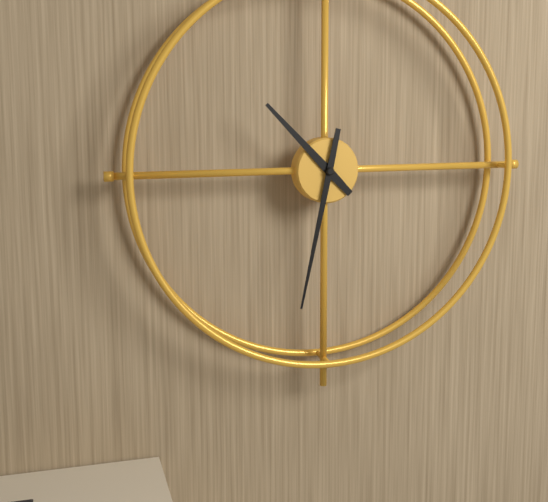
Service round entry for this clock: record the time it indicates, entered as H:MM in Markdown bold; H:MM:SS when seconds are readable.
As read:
**10:32**
